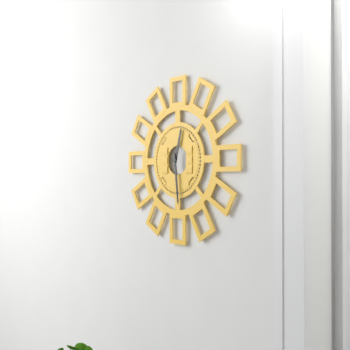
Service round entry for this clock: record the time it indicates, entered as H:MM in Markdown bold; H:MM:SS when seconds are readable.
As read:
**12:29**
